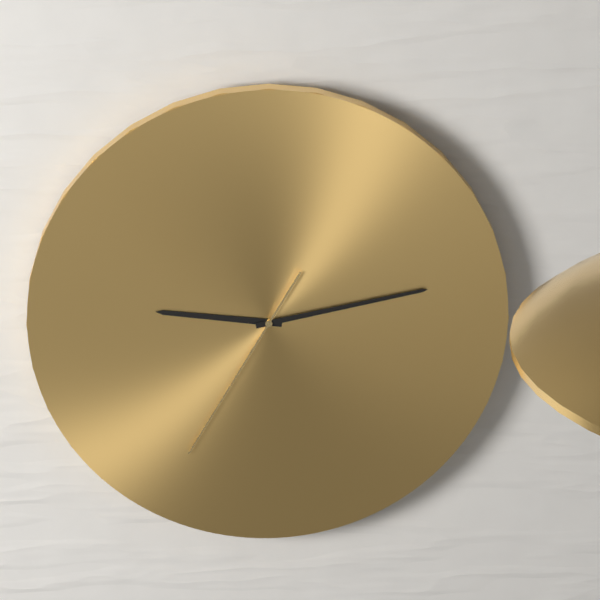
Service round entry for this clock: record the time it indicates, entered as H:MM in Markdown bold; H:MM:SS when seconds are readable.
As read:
**9:13:35**
